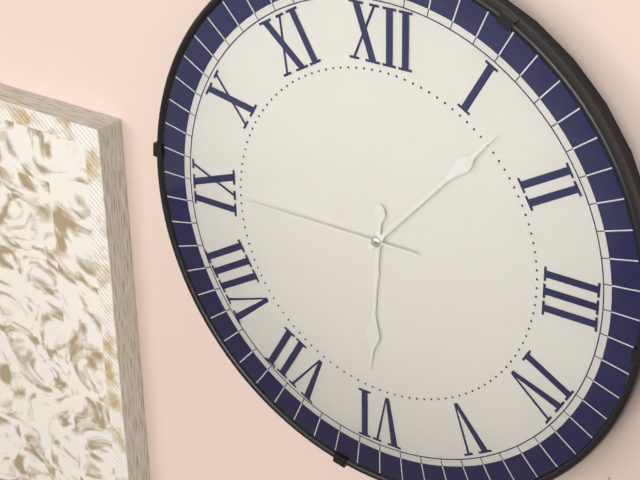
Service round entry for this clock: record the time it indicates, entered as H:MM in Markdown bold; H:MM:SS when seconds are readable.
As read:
**6:07:45**
